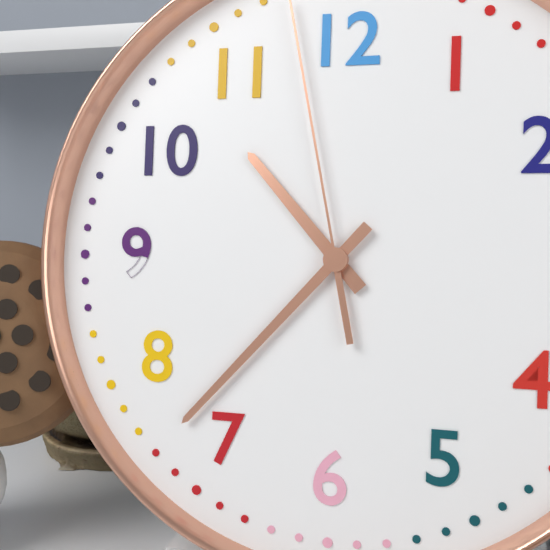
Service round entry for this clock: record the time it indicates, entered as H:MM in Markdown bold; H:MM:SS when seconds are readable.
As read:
**10:37**
